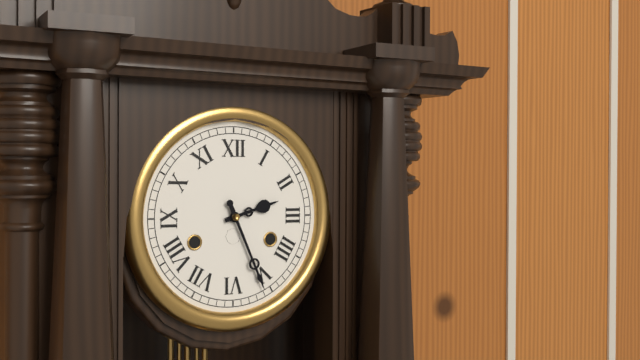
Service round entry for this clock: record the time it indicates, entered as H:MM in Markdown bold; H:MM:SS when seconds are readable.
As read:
**2:26**
